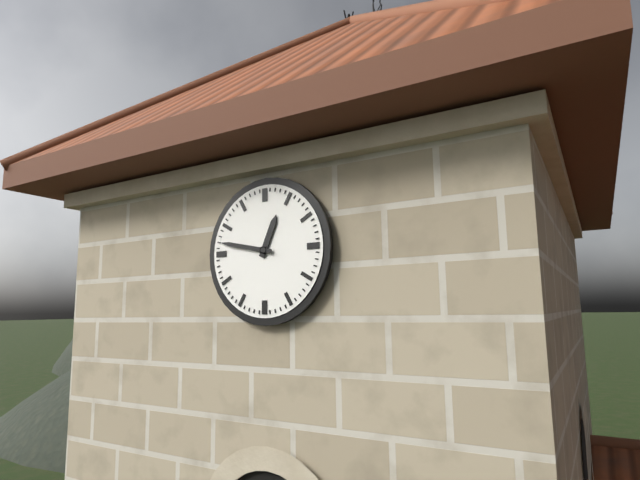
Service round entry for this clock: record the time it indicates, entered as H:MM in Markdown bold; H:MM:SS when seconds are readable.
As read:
**12:47**
